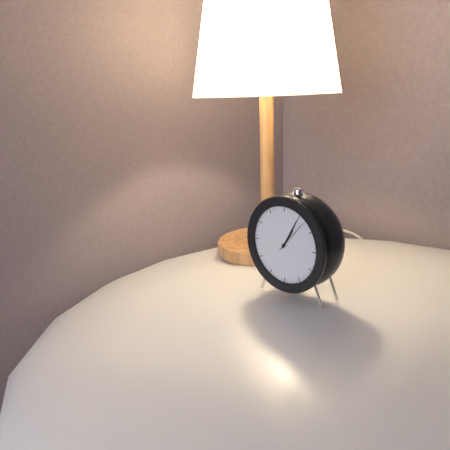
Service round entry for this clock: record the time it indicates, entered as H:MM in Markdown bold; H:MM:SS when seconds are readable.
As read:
**1:05**
